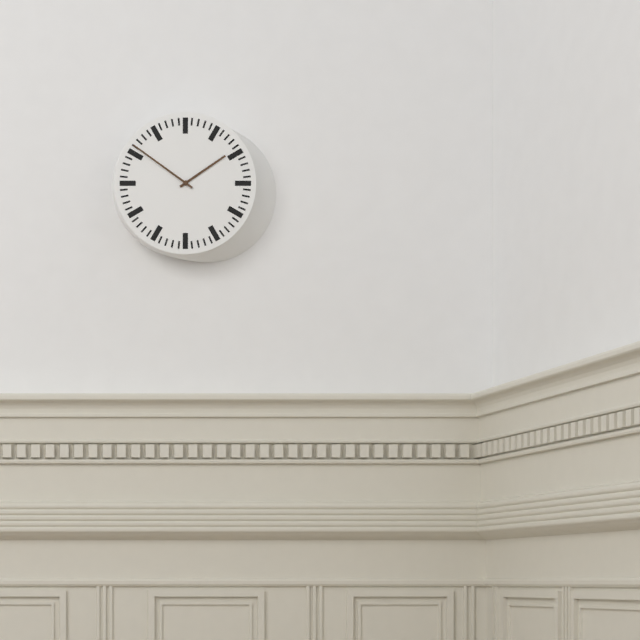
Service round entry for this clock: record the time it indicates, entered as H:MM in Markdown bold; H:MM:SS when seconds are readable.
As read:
**1:51**
